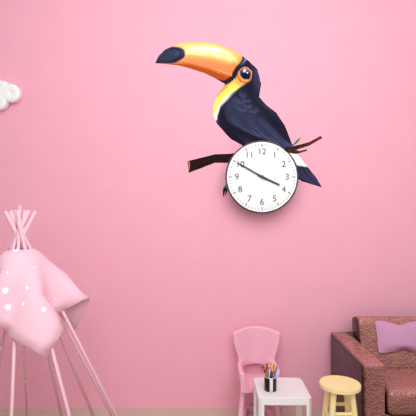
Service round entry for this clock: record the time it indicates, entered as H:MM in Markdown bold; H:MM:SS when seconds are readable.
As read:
**3:50**
